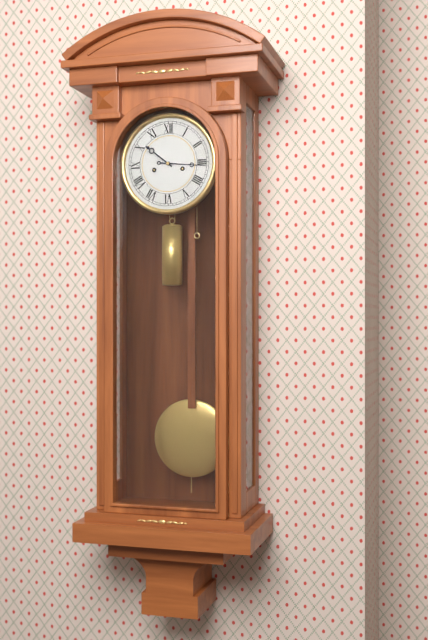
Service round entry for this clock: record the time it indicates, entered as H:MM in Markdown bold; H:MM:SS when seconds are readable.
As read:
**10:16**
